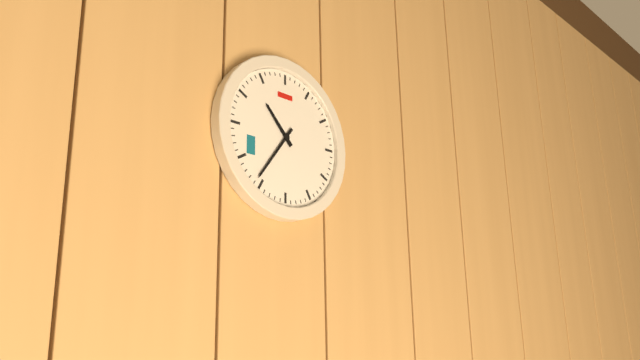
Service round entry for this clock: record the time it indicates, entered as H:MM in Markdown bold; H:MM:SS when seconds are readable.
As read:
**10:36**
